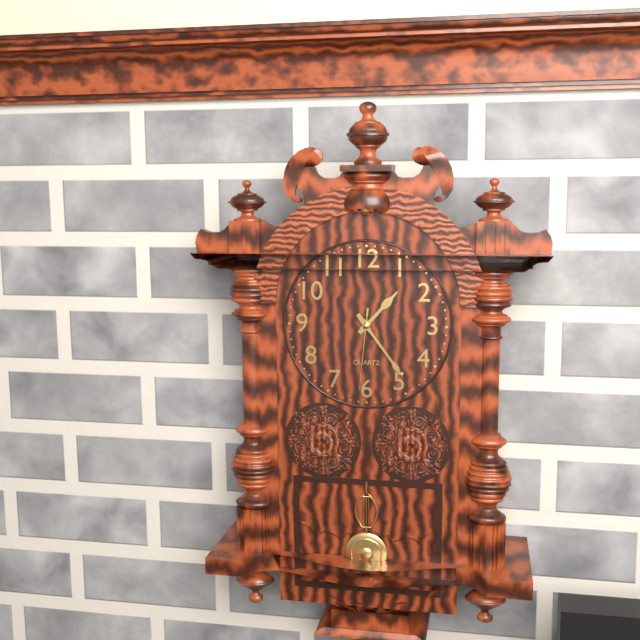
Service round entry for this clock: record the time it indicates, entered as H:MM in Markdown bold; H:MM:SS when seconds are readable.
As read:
**1:24:31**
